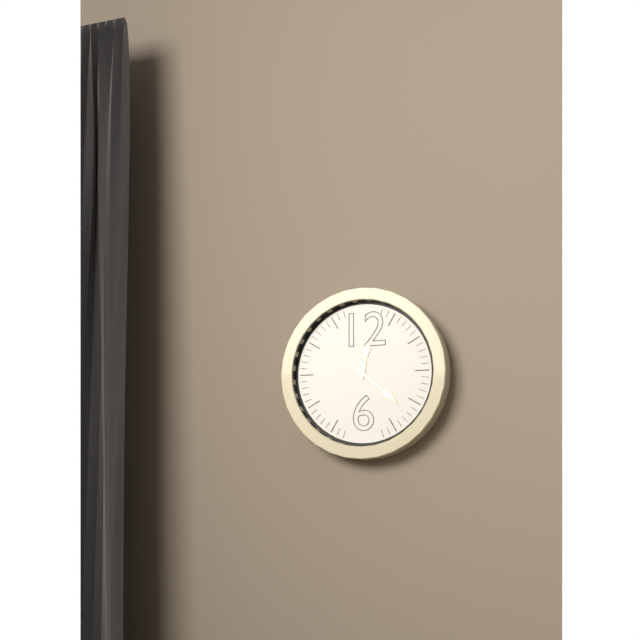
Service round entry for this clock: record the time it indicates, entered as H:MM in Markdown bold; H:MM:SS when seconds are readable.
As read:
**12:22**
